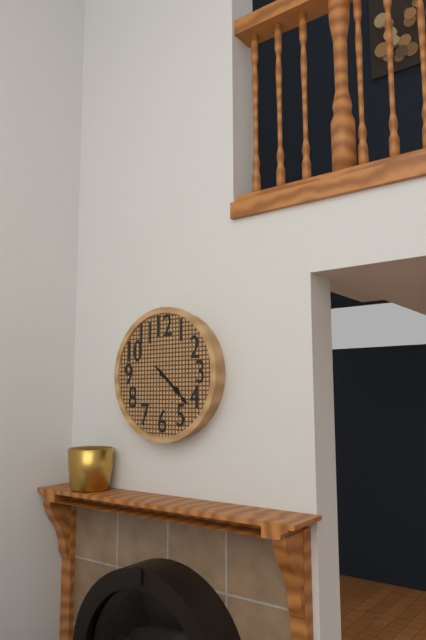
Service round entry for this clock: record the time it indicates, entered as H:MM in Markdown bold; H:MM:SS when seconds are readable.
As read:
**4:22**
